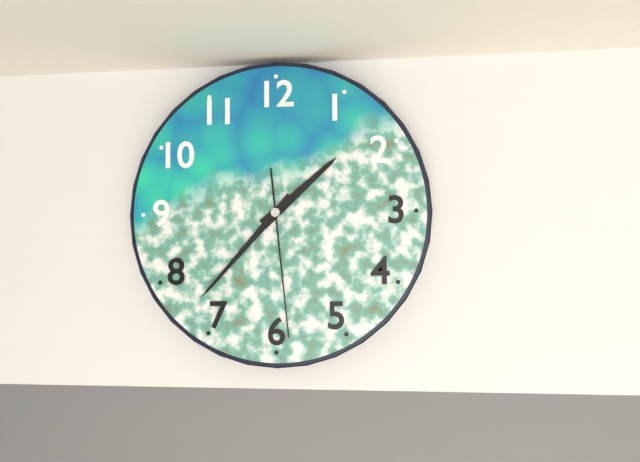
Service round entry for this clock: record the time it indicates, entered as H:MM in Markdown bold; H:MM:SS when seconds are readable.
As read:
**1:37:29**
